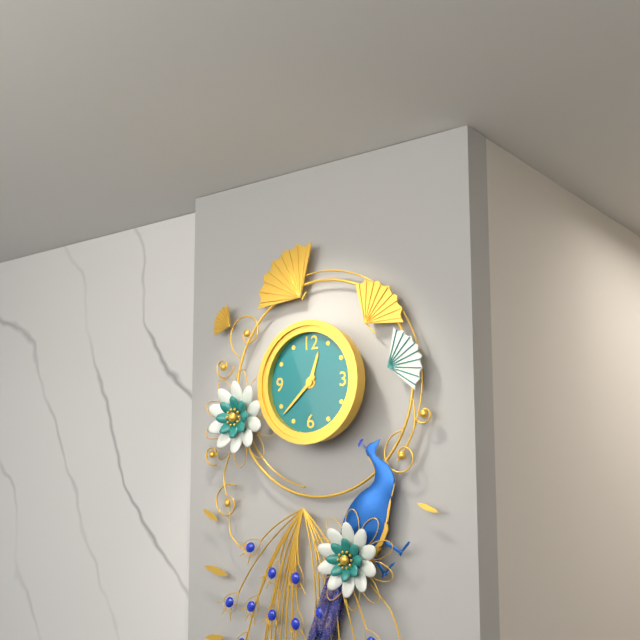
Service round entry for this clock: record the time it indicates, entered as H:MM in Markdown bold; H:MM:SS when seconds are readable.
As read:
**12:38**
